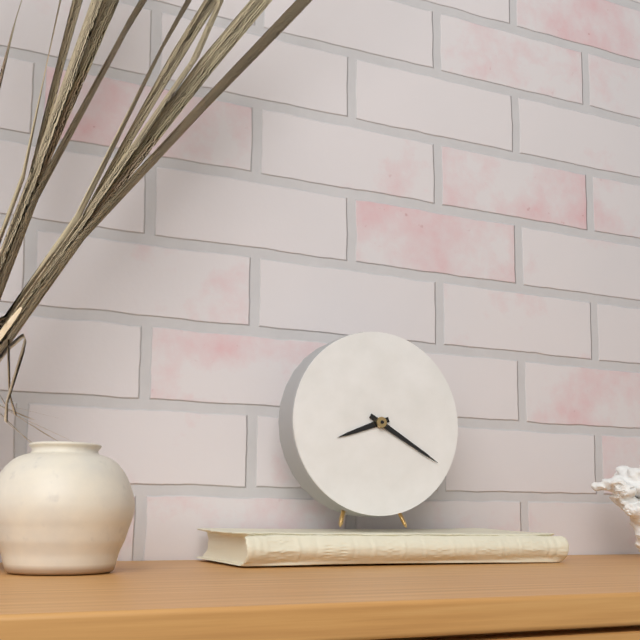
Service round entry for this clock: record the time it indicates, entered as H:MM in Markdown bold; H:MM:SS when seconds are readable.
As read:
**8:20**
